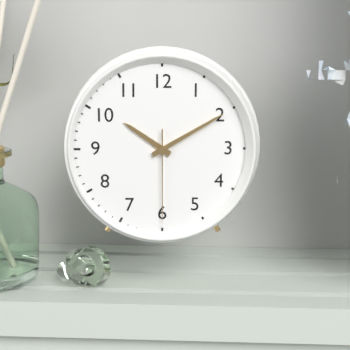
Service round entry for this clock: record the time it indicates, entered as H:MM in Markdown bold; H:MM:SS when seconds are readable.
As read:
**10:10:30**
